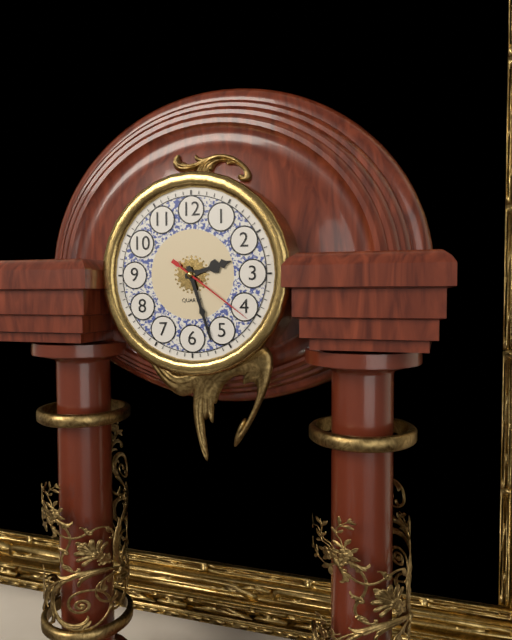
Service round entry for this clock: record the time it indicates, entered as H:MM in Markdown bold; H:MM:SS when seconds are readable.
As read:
**2:27:21**
